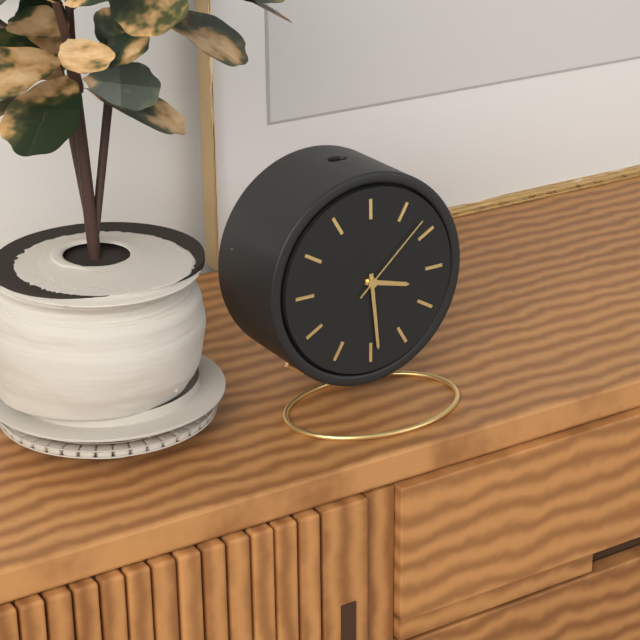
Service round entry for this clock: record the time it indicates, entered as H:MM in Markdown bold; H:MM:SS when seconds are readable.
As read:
**3:29:08**
